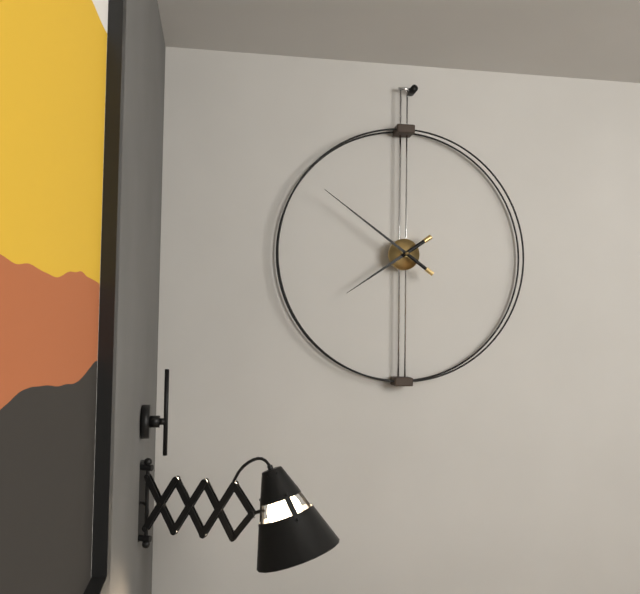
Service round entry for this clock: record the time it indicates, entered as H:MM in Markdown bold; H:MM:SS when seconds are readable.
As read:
**7:51**
